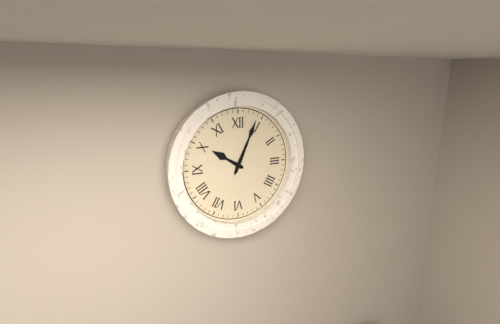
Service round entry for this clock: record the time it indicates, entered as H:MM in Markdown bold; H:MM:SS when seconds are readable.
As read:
**10:04**
